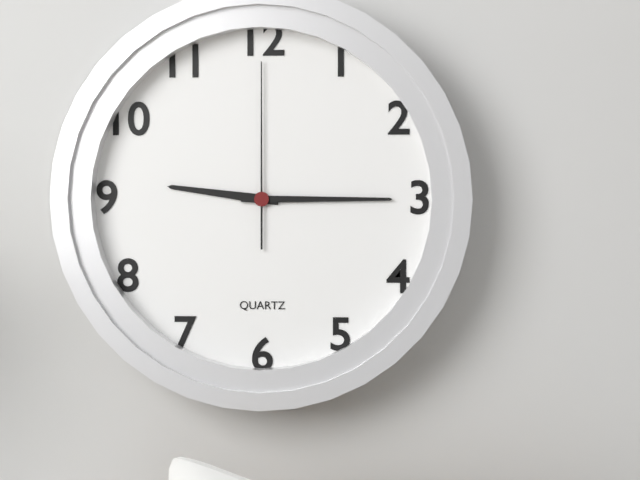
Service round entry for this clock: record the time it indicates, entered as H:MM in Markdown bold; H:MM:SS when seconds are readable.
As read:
**9:15:00**
